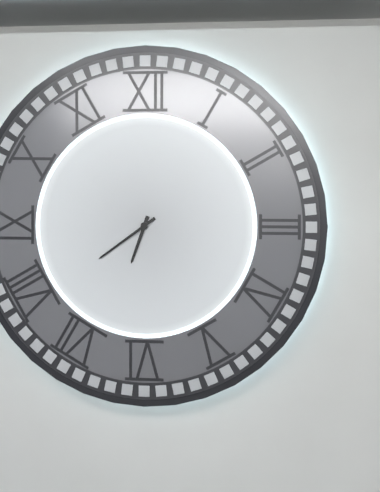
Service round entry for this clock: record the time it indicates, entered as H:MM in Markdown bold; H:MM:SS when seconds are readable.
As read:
**6:39**
